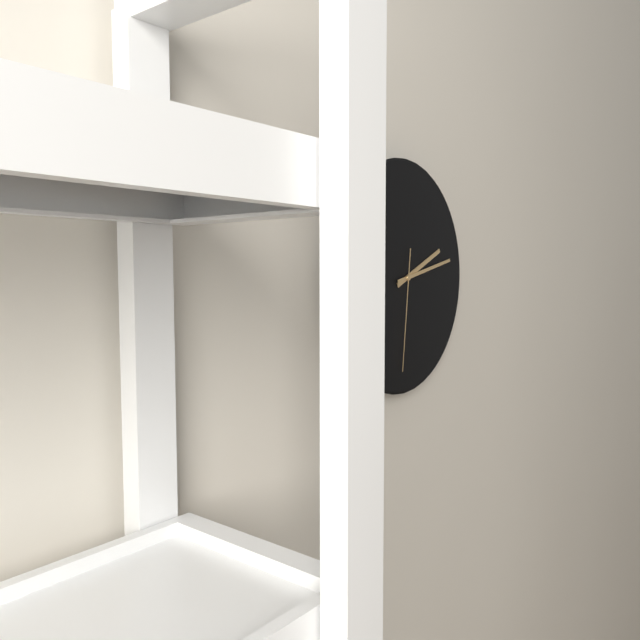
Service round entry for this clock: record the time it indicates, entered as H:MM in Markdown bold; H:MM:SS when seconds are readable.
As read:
**2:13:31**
